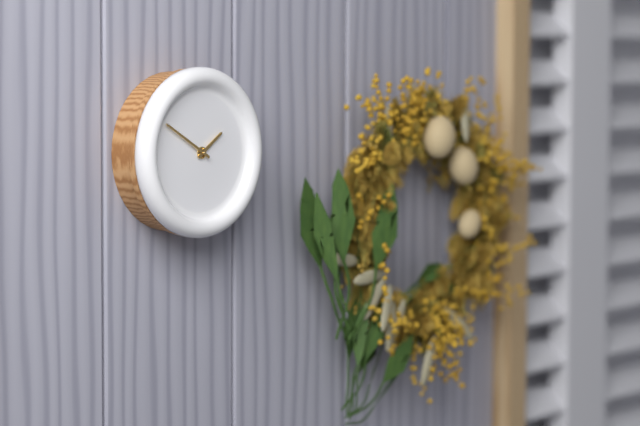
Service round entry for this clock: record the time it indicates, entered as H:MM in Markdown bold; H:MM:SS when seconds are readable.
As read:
**1:50**
